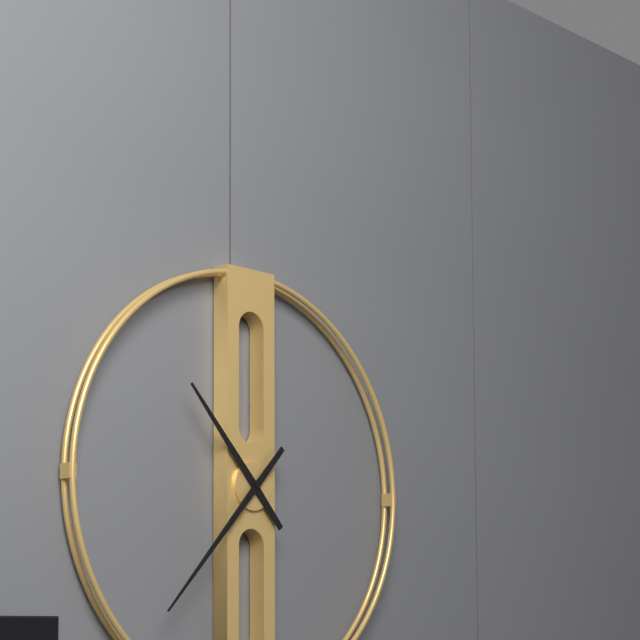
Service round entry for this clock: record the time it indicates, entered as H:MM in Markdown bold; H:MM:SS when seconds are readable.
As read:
**10:37**
